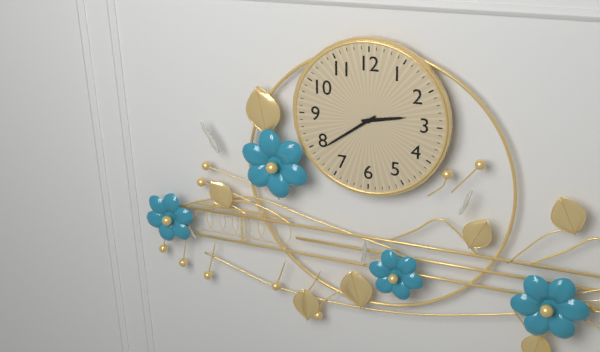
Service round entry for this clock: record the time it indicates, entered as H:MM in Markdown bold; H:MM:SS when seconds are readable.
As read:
**2:39**
